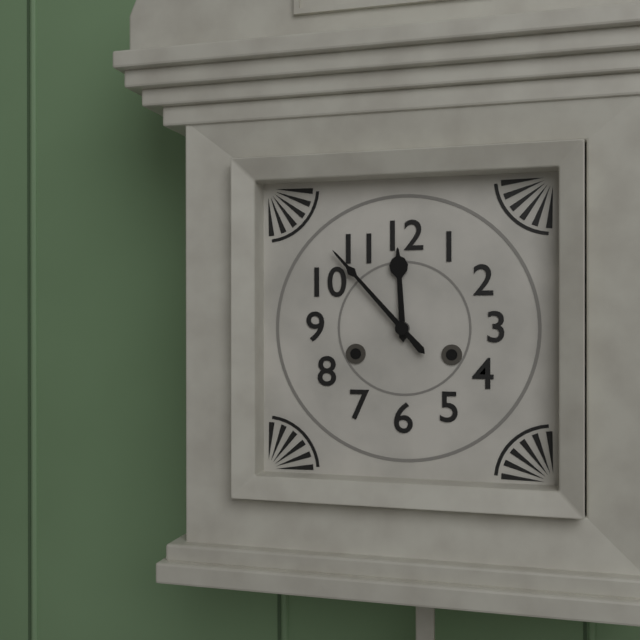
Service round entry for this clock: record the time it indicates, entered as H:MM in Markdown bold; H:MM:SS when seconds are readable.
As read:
**11:53**
